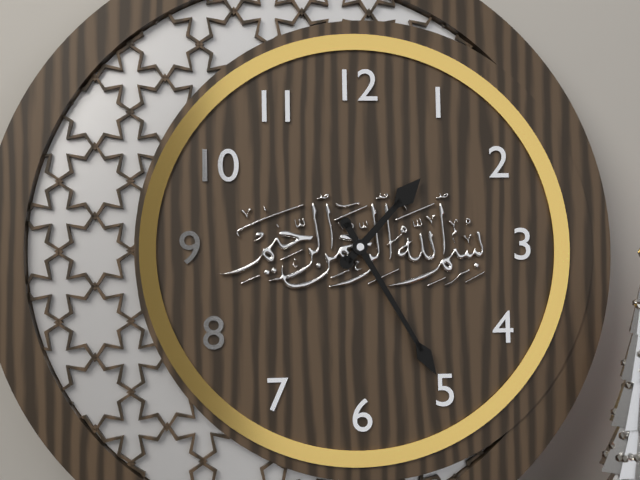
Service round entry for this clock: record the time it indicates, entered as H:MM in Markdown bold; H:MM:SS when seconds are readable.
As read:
**1:25**
